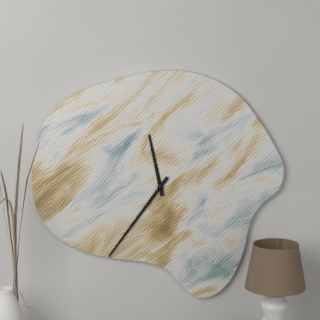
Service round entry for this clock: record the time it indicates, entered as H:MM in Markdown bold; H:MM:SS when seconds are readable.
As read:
**11:36**
